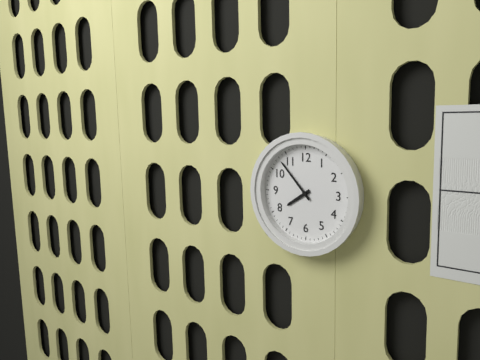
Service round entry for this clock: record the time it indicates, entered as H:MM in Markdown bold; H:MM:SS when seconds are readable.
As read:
**7:53**
